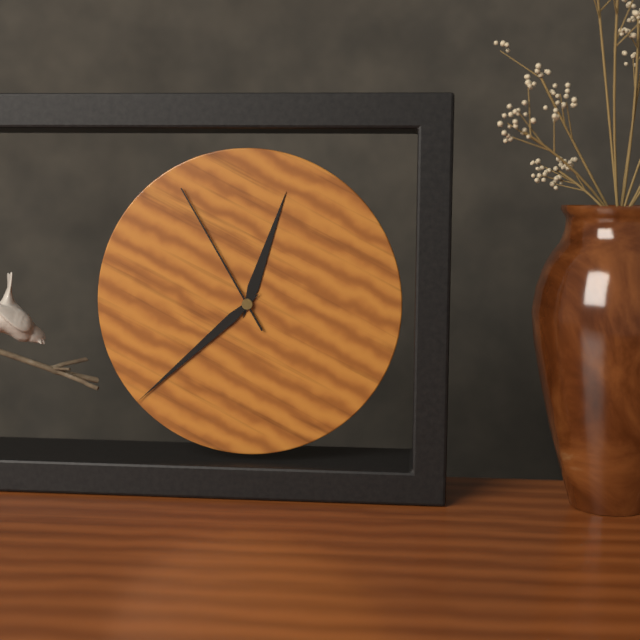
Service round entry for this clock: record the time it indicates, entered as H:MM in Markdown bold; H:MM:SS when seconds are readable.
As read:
**12:38:55**
